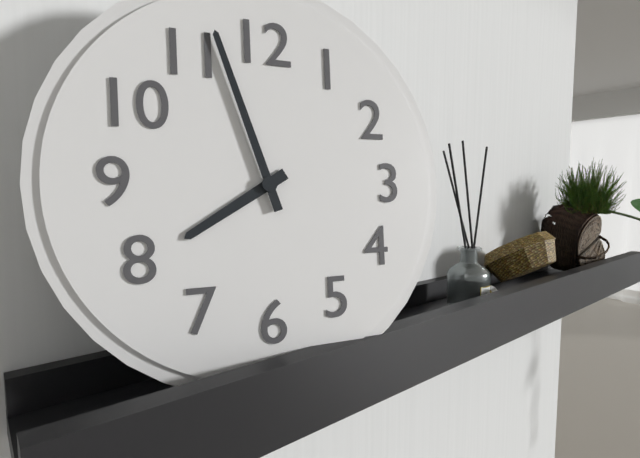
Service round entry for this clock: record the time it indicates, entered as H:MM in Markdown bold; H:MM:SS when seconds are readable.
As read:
**7:57**
